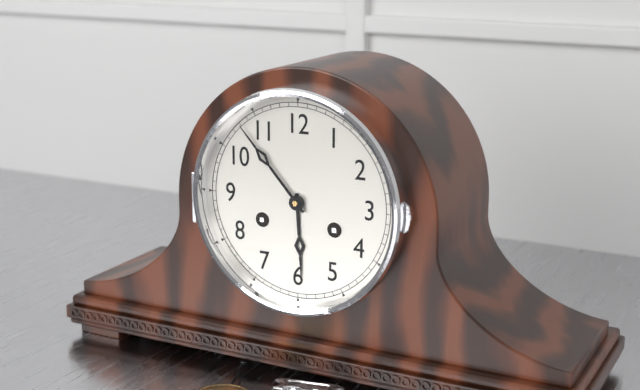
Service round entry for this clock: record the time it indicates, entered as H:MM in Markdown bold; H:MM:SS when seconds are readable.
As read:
**5:53**
